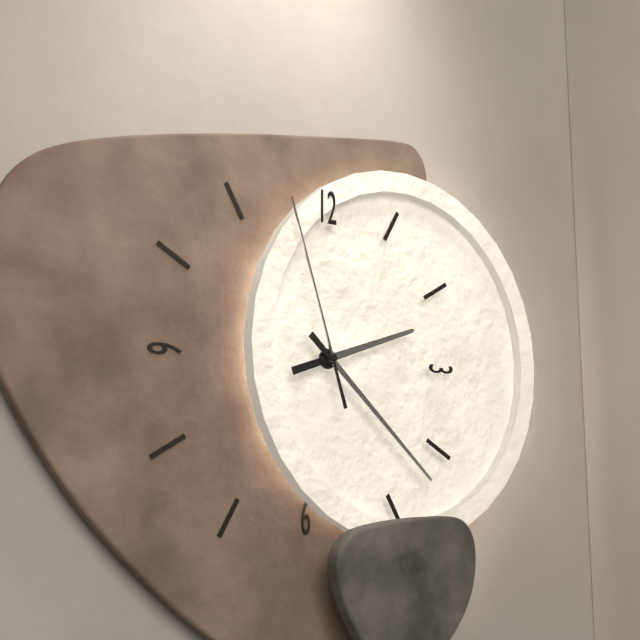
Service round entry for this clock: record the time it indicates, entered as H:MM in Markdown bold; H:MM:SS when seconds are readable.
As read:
**2:22:57**
